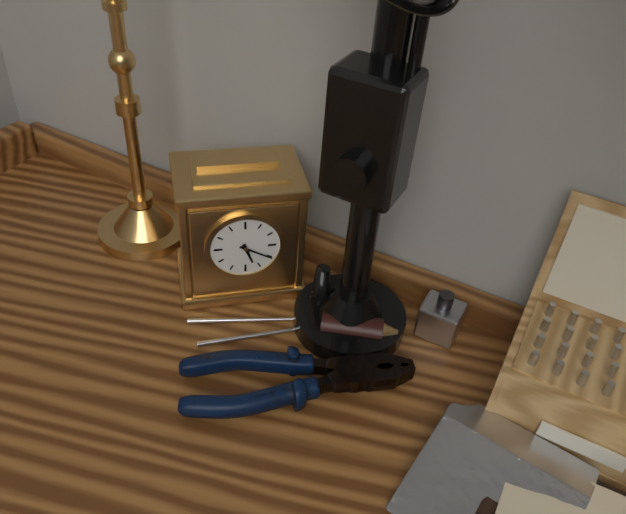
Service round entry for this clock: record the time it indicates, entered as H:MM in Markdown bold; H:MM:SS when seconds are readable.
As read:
**5:20**
